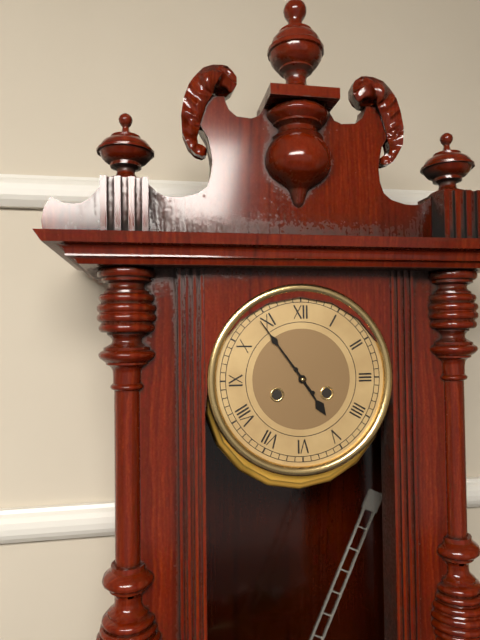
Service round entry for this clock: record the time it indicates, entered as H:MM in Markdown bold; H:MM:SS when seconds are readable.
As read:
**4:54**
